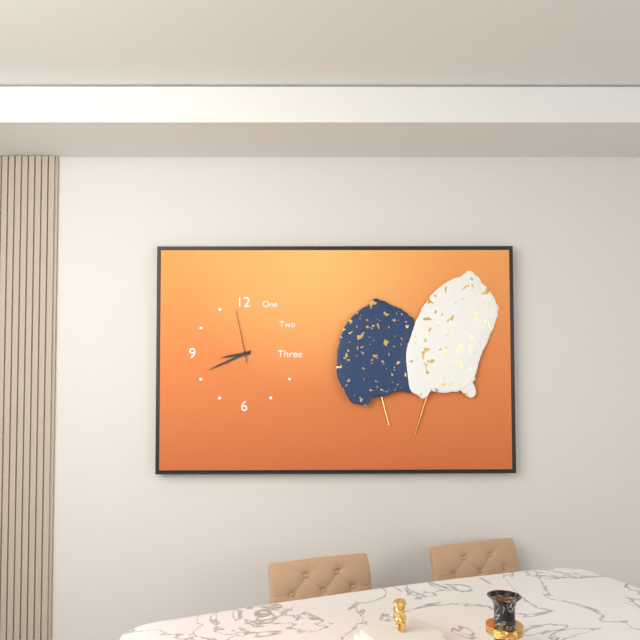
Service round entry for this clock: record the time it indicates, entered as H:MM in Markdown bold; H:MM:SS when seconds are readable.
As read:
**8:41:58**
